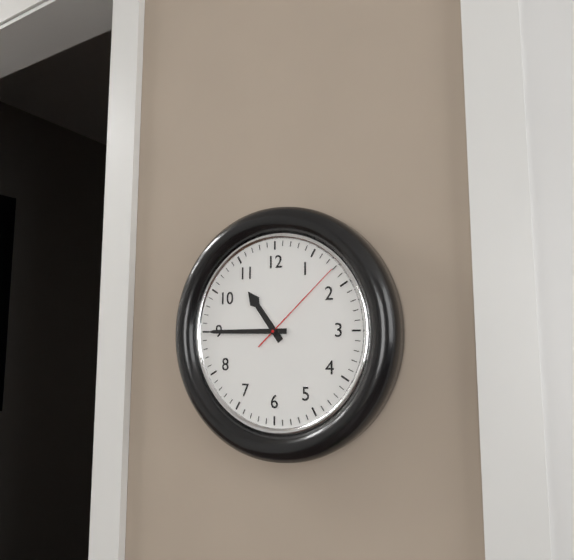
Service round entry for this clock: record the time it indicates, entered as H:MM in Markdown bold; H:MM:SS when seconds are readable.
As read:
**10:45:08**
